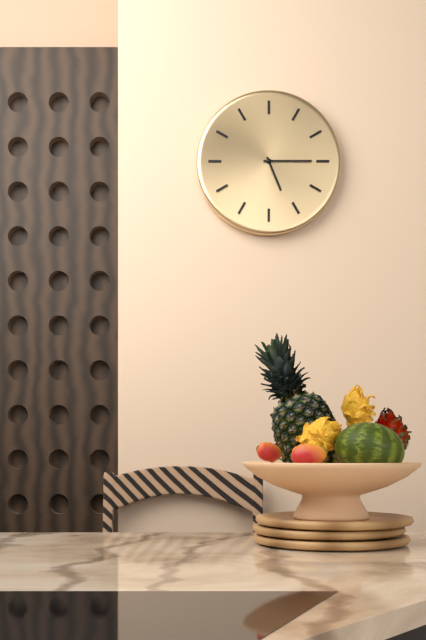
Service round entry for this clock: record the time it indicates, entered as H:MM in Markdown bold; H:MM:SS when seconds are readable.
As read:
**5:15**
